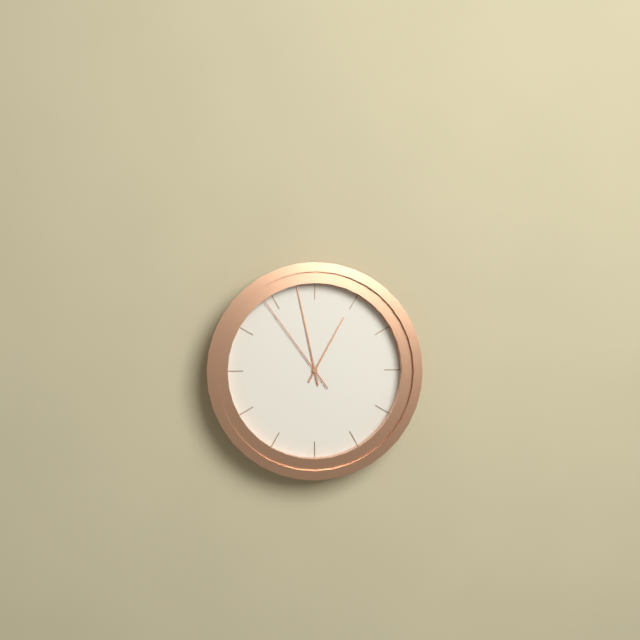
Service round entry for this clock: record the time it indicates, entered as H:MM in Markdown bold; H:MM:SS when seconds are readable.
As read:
**12:58:54**
